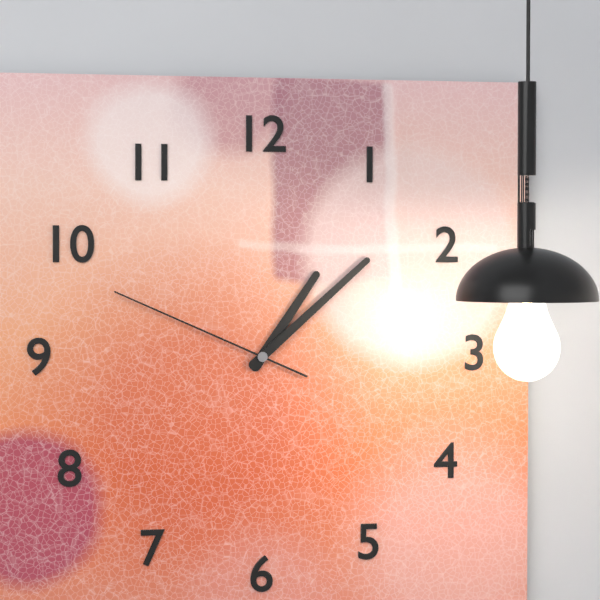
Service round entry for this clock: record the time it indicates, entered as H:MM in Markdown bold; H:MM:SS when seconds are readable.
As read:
**1:08:49**
